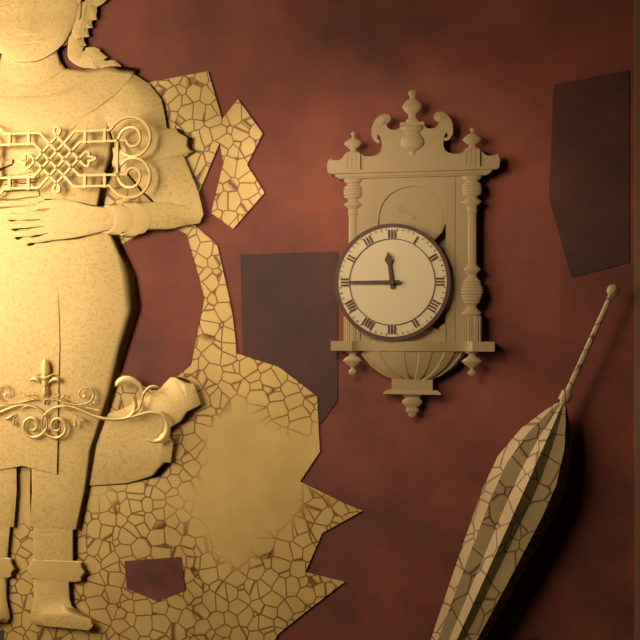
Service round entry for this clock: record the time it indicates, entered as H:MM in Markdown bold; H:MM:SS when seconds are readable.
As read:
**11:45**
